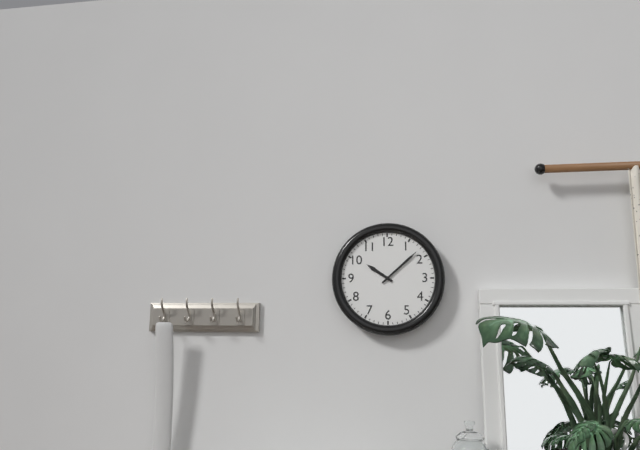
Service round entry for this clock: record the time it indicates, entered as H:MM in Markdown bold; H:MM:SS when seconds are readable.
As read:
**10:08**
